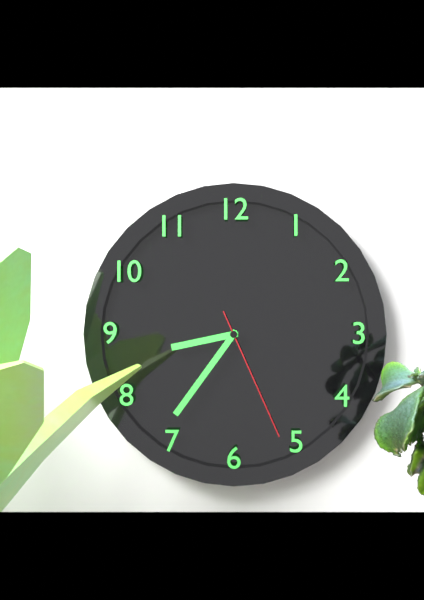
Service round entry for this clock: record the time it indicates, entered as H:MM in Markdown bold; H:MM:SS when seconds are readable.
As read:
**8:36:26**
